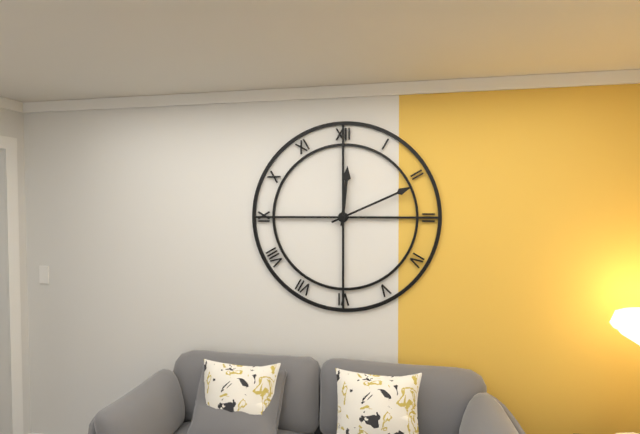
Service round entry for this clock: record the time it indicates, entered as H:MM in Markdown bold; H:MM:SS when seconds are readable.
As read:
**12:11**
